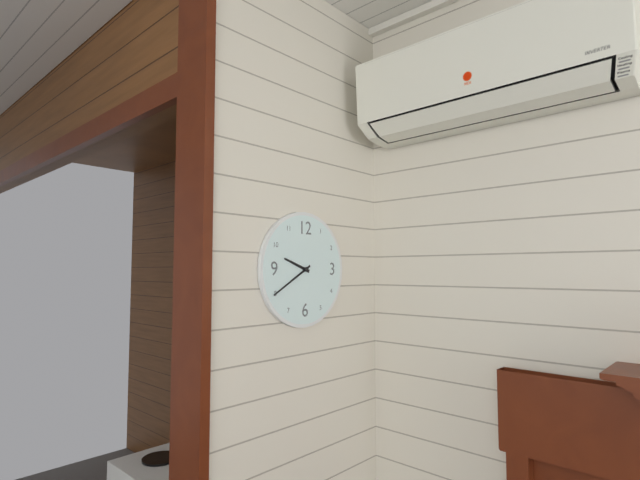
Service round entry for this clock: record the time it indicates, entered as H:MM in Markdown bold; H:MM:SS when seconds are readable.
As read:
**9:40**
